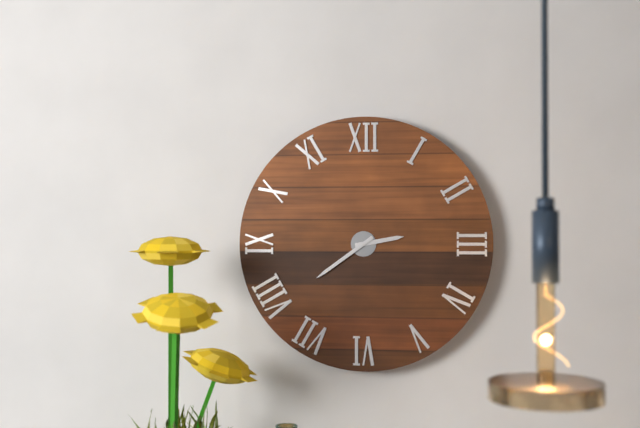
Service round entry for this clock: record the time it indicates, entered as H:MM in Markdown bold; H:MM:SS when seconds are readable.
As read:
**2:39**
